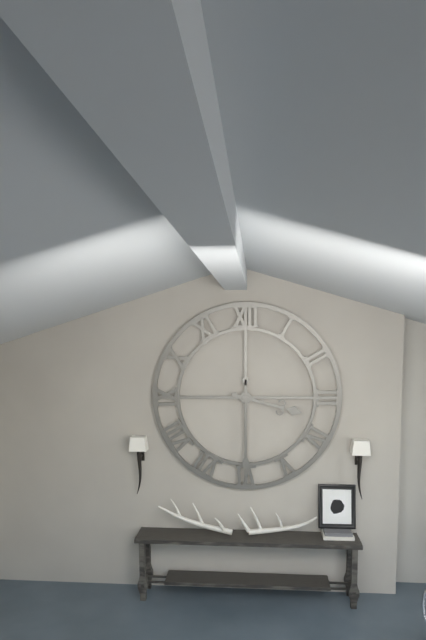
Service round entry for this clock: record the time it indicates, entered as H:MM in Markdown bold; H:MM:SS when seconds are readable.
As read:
**3:30**
